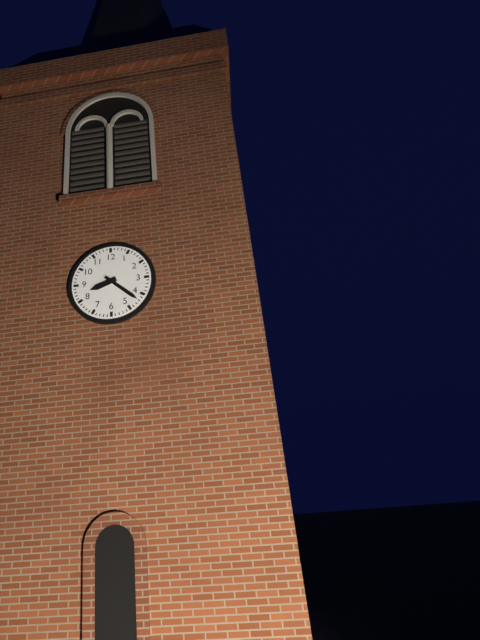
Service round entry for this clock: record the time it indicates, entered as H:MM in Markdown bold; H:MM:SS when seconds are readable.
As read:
**8:22**
